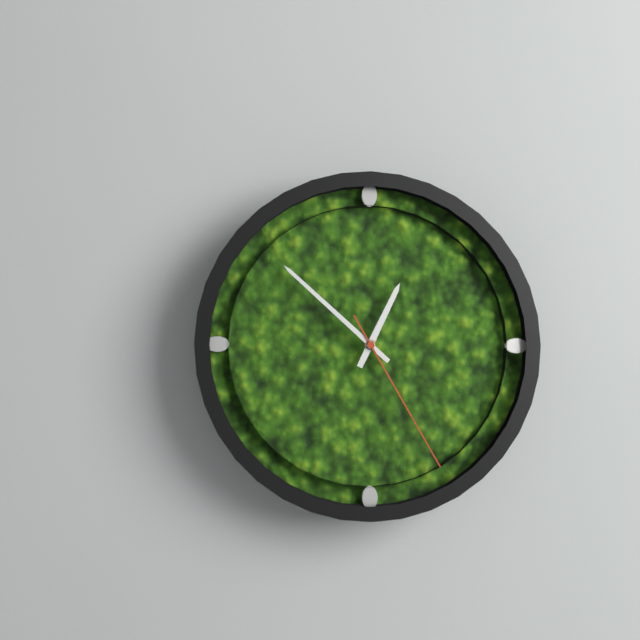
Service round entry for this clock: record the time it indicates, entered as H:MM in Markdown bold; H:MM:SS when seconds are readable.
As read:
**12:52:25**
